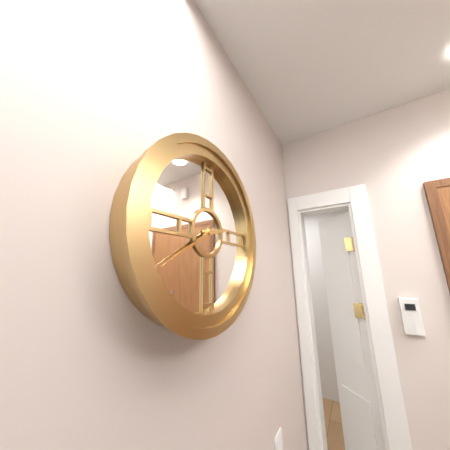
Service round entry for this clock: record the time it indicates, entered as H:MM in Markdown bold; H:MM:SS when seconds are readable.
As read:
**2:40**
